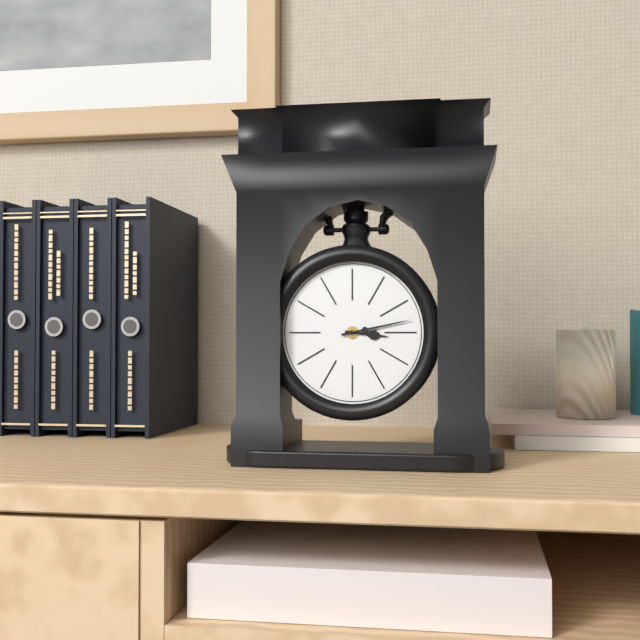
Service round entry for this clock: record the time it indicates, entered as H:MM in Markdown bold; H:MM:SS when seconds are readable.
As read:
**3:13**
